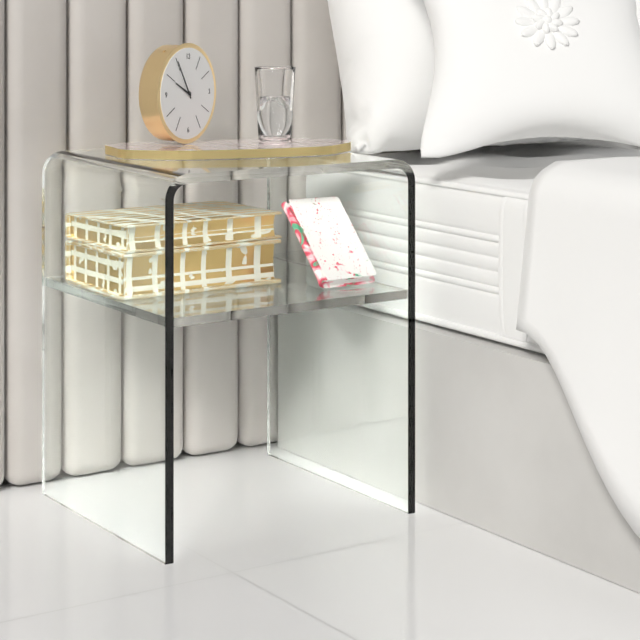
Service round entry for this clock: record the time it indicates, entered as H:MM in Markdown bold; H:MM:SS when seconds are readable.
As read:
**9:55**
